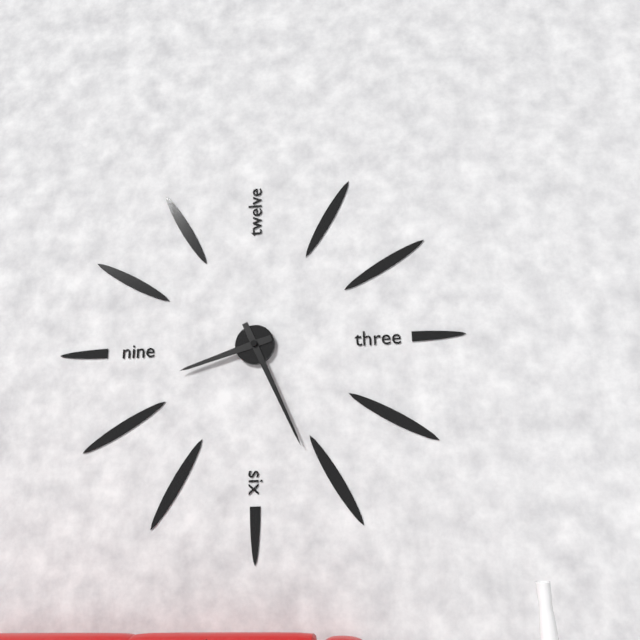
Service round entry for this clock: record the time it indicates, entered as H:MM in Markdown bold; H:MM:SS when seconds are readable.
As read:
**8:26**
